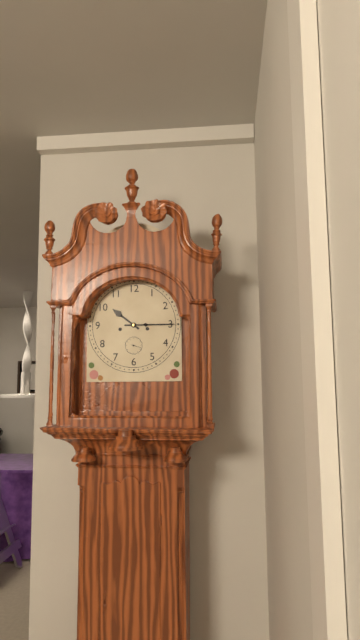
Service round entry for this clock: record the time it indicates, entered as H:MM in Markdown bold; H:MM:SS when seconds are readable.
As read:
**10:15**
